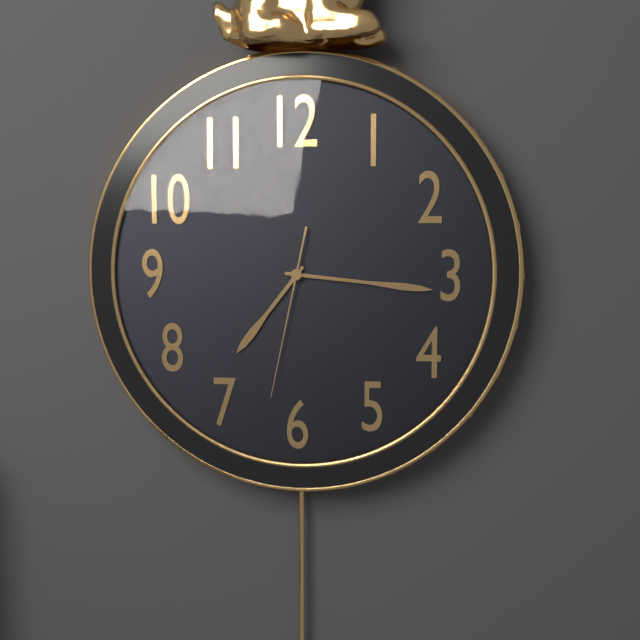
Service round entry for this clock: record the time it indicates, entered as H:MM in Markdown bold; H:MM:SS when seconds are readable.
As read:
**7:16:32**
